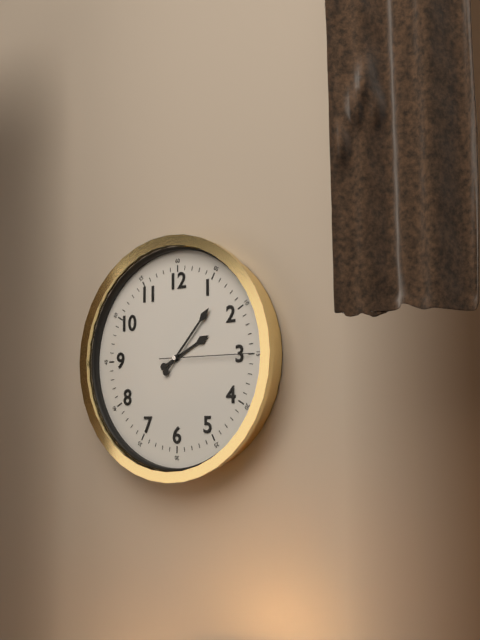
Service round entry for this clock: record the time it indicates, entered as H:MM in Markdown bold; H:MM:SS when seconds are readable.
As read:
**2:07:15**
